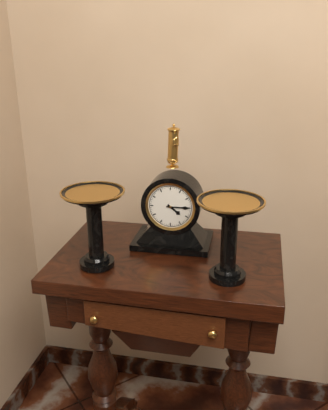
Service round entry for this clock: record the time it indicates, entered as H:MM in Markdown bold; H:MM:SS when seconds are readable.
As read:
**4:15**
